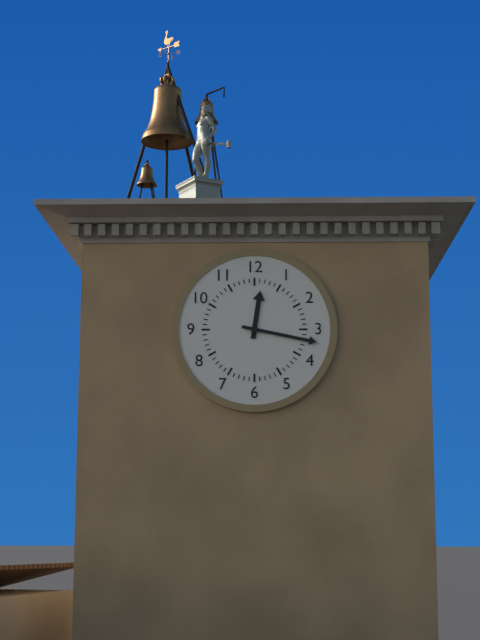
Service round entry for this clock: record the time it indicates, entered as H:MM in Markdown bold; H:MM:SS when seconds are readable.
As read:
**12:17**
